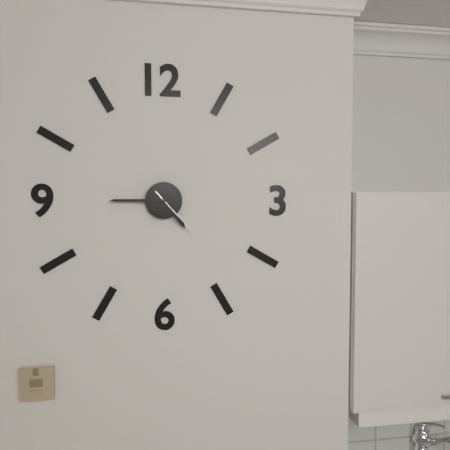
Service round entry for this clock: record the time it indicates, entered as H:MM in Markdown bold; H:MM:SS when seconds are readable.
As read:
**4:45:23**
